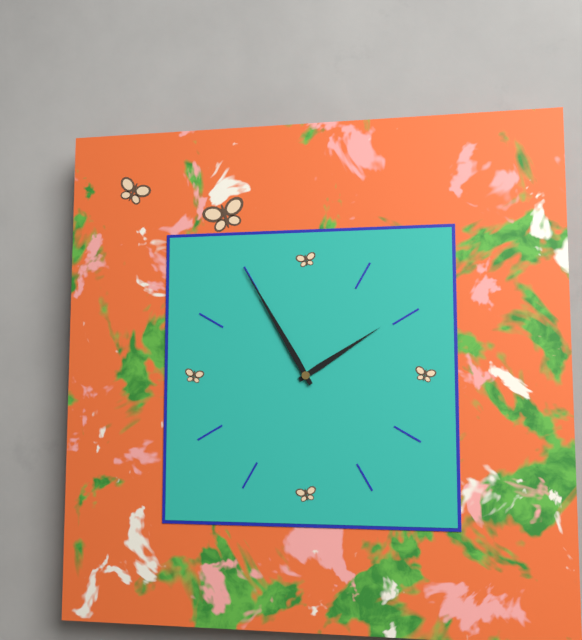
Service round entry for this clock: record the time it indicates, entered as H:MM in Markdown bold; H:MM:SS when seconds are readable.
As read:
**1:55**
